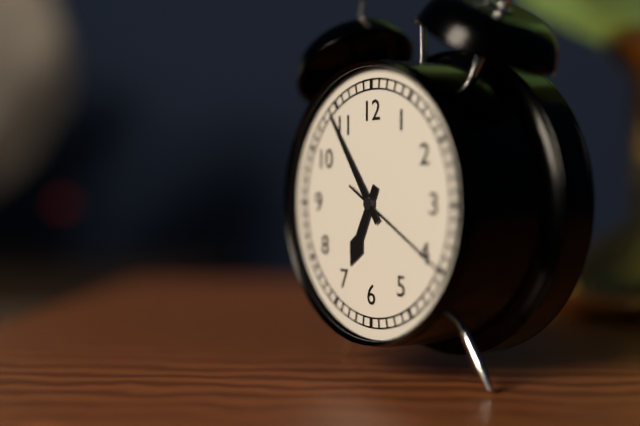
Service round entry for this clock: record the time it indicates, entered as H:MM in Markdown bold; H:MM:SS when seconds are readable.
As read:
**6:54:20**
